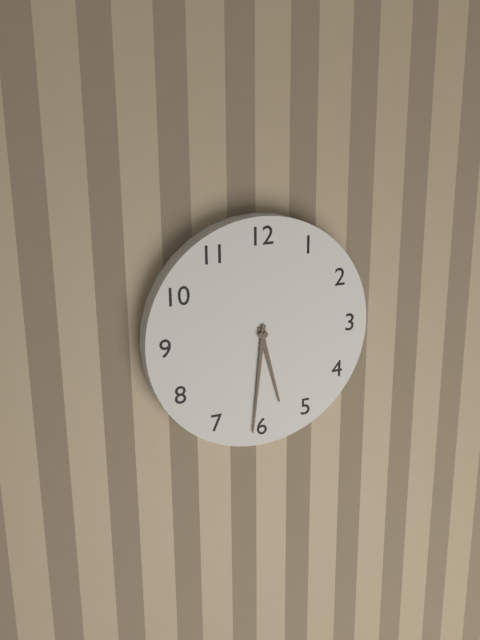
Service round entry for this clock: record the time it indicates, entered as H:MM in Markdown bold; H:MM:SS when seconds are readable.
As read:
**5:31**
